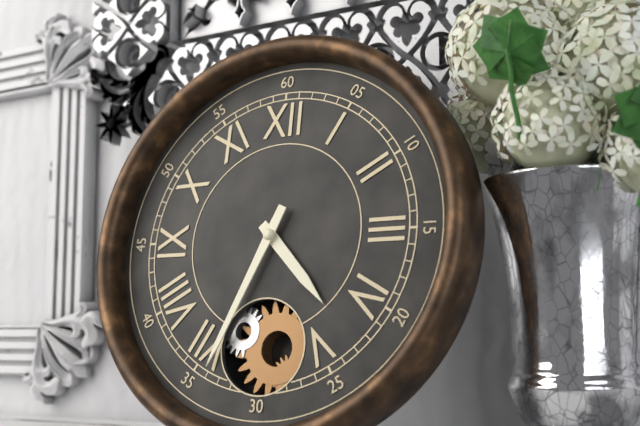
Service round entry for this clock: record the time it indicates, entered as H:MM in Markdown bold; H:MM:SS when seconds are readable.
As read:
**4:34**
